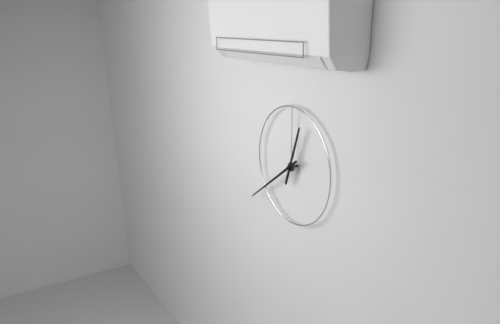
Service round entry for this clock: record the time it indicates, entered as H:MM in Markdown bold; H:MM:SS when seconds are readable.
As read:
**12:39**
